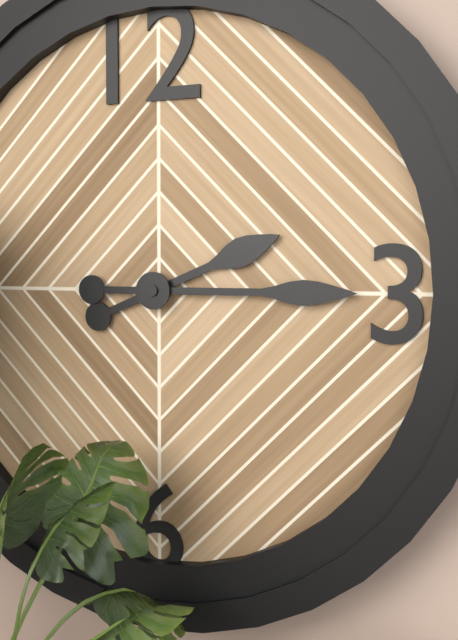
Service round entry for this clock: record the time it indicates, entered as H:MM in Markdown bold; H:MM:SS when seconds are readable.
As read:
**2:15**
